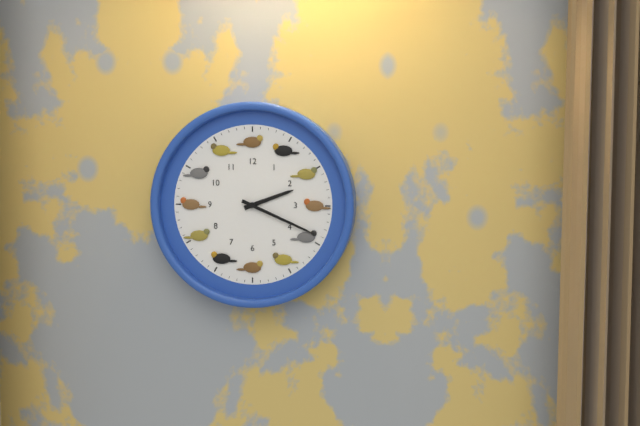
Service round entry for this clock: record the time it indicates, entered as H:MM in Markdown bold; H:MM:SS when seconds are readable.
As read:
**2:19**
